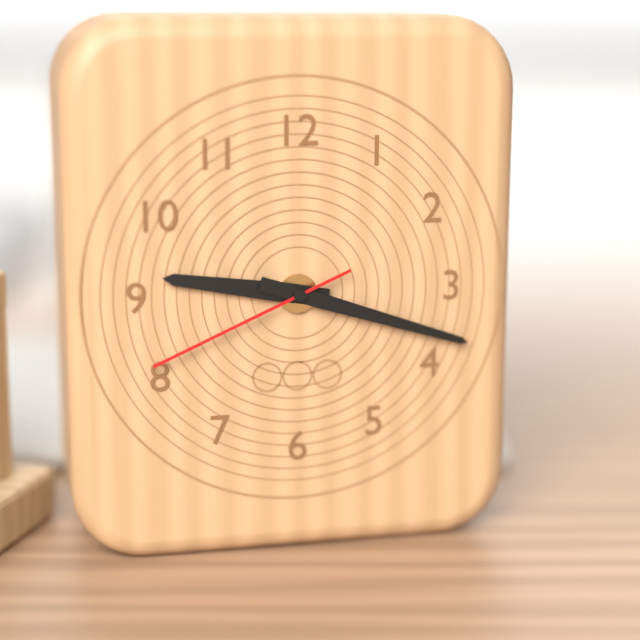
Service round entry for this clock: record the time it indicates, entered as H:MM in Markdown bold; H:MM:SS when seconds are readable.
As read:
**9:18:41**
